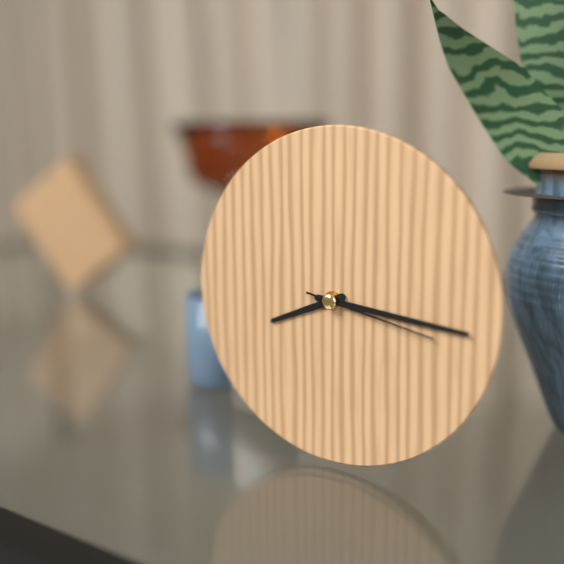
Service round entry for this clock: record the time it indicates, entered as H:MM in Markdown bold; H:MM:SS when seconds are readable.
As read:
**8:16:17**
